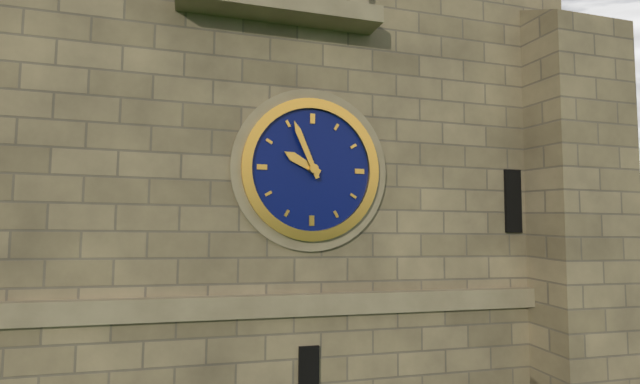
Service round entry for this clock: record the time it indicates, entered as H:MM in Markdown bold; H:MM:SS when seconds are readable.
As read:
**9:56**
